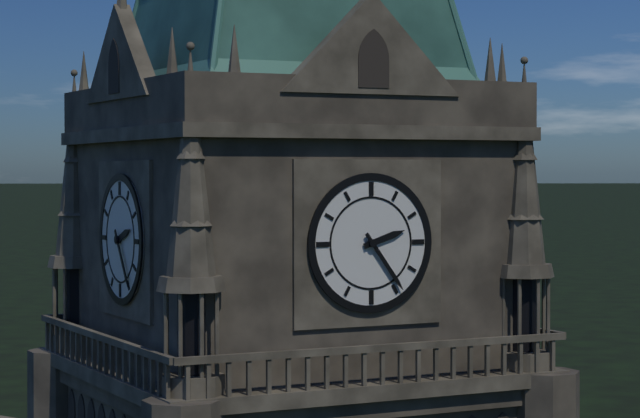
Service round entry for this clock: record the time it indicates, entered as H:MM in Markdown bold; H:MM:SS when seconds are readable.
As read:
**2:24**
